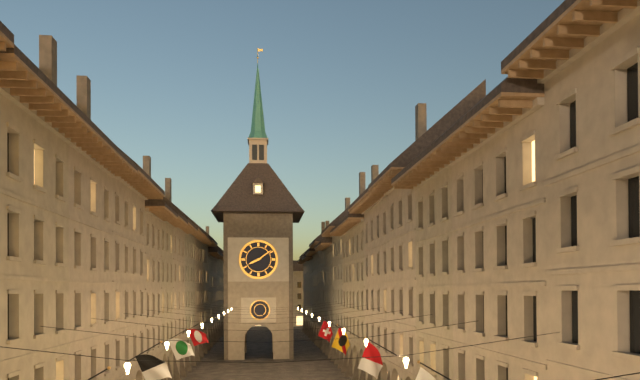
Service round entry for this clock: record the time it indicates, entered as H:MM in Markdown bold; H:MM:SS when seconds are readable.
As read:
**8:09**
